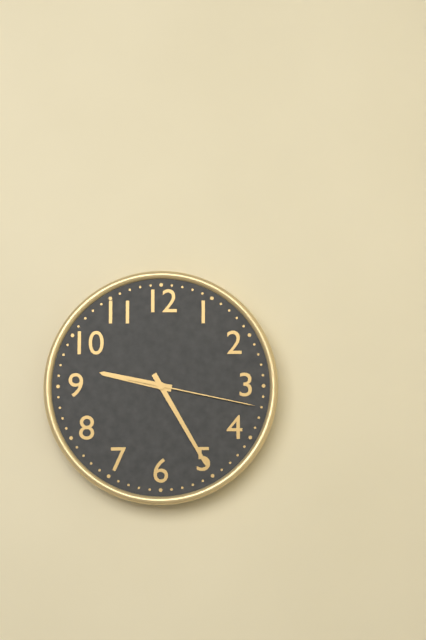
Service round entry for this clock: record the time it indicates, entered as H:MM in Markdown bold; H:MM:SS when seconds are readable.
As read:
**9:25:17**
